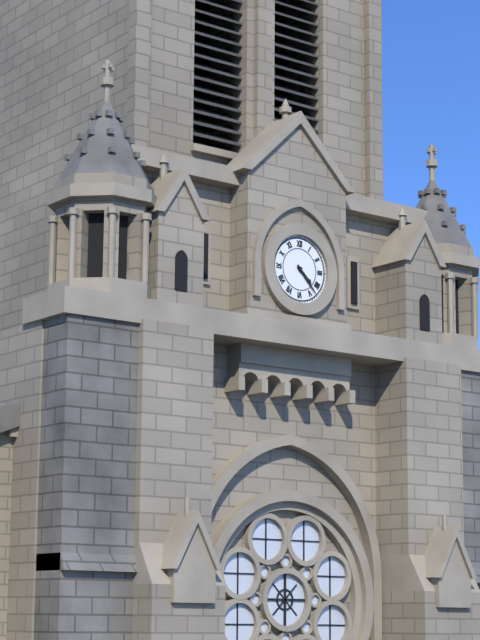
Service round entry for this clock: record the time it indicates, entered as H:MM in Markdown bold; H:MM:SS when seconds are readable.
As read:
**4:23**
